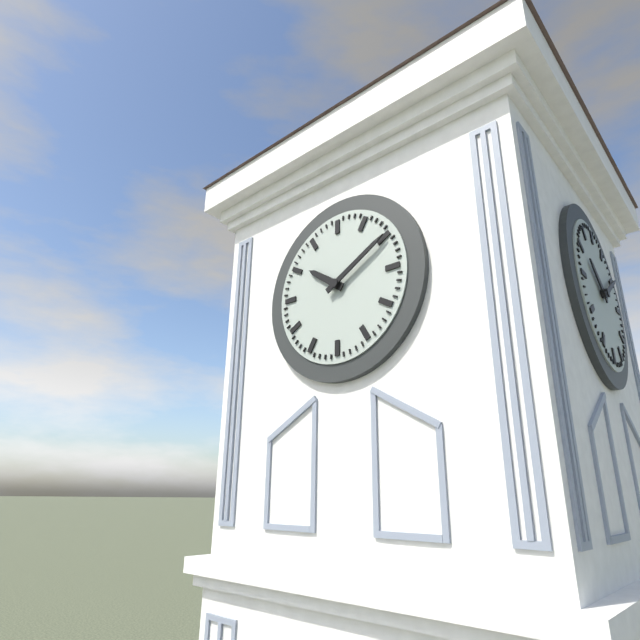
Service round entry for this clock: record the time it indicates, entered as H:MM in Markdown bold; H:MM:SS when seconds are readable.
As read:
**10:10**
